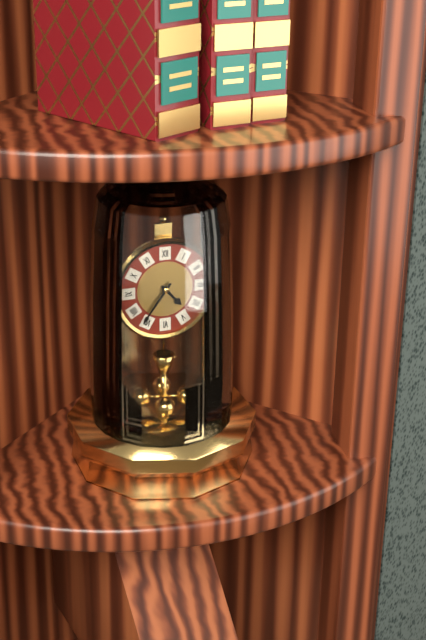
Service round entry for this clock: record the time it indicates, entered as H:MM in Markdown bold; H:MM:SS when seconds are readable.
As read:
**4:36**
